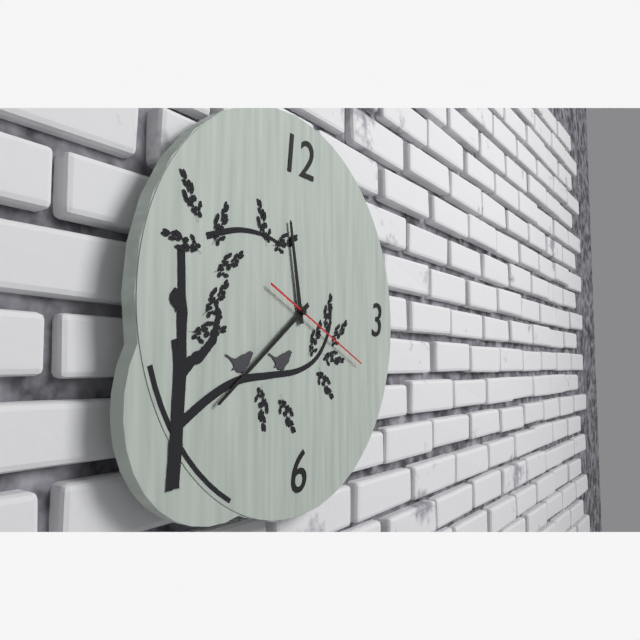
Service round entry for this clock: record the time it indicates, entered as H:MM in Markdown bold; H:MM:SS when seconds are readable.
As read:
**11:39:19**
